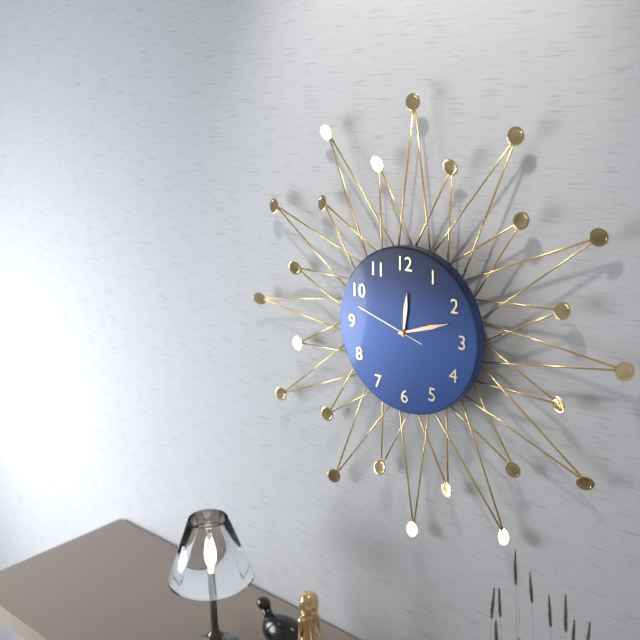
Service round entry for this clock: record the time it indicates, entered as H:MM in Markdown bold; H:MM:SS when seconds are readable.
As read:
**12:12:48**
